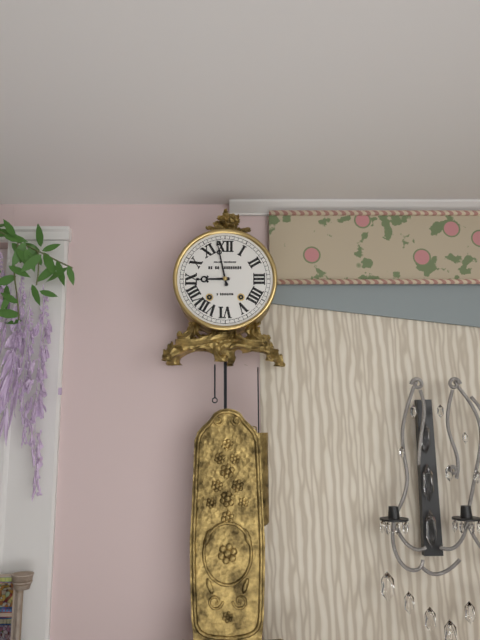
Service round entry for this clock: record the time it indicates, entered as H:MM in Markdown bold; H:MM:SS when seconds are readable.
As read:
**8:58**
